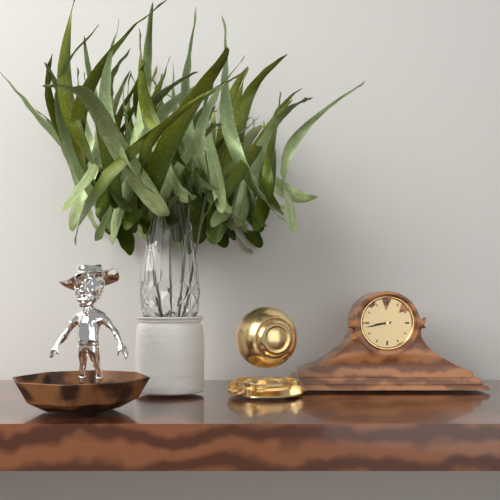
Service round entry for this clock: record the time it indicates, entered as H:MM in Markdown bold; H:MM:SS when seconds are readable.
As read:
**8:43**
